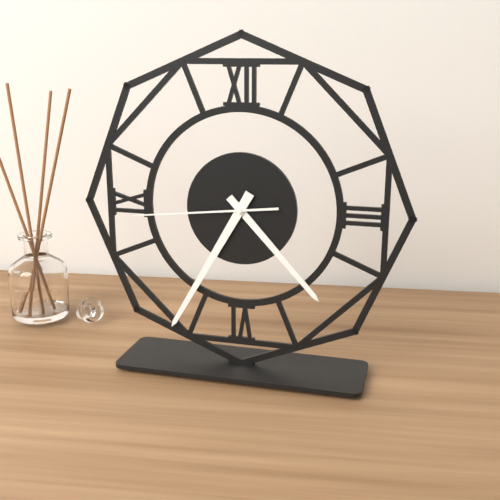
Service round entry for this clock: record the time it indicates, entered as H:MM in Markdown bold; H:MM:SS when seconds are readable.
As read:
**4:35:44**
